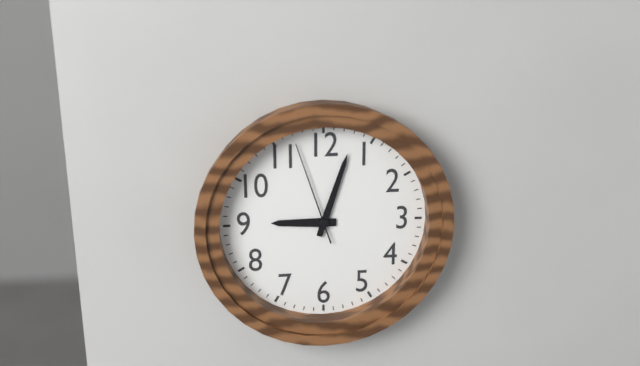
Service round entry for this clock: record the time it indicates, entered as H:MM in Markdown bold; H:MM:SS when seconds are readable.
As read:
**9:03:57**
